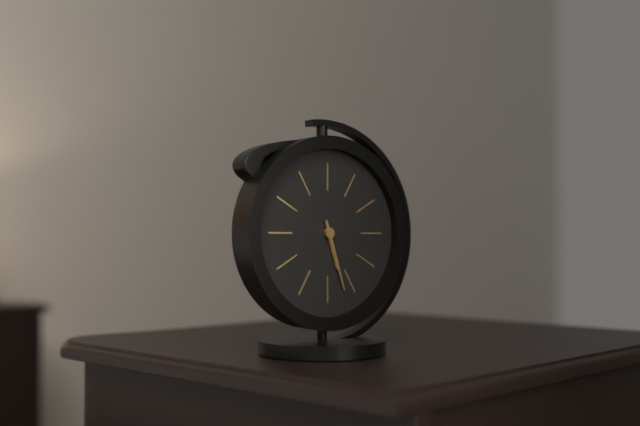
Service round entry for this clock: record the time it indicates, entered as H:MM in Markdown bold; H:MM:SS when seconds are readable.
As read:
**5:27**
